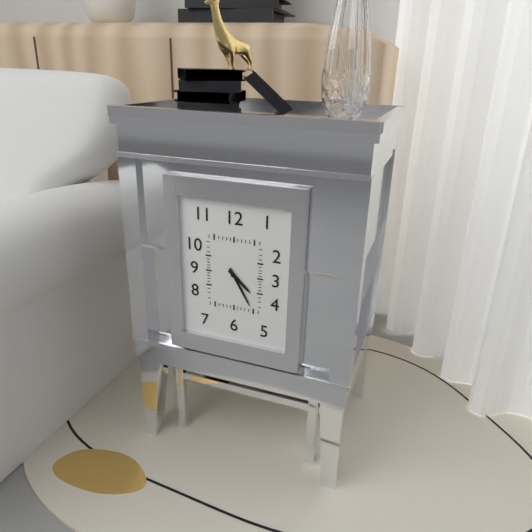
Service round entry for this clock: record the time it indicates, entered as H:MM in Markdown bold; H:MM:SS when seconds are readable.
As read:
**4:25**
